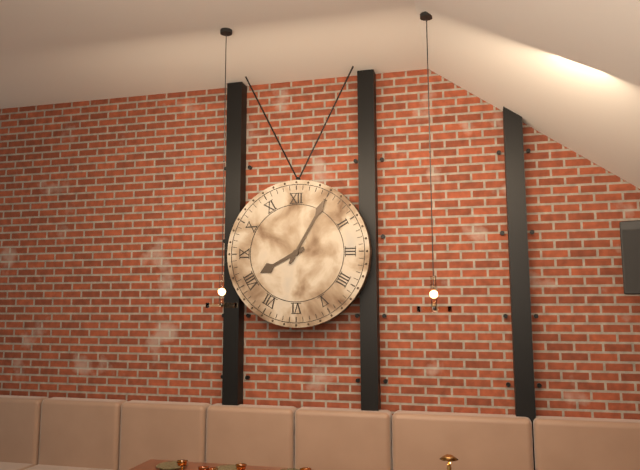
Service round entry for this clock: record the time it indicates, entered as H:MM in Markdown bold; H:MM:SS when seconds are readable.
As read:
**8:05**
